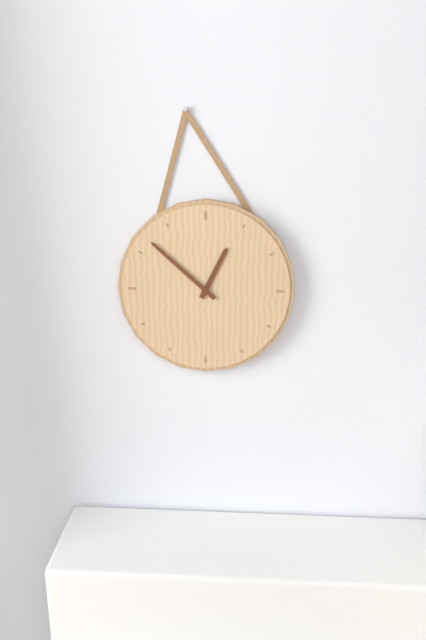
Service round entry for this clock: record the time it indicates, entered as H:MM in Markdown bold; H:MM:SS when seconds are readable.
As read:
**12:52**
